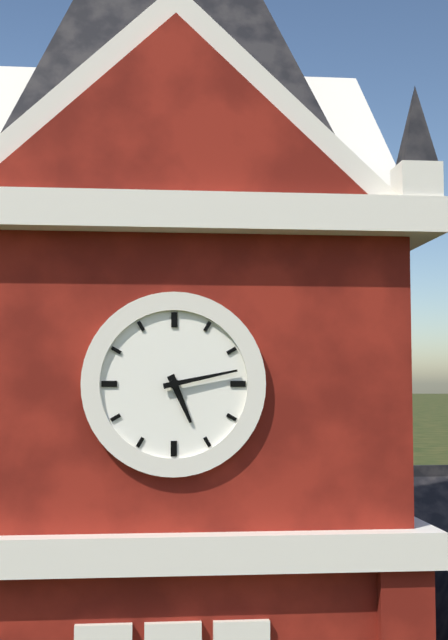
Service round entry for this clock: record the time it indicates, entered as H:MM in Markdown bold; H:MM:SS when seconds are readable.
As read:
**5:13**
